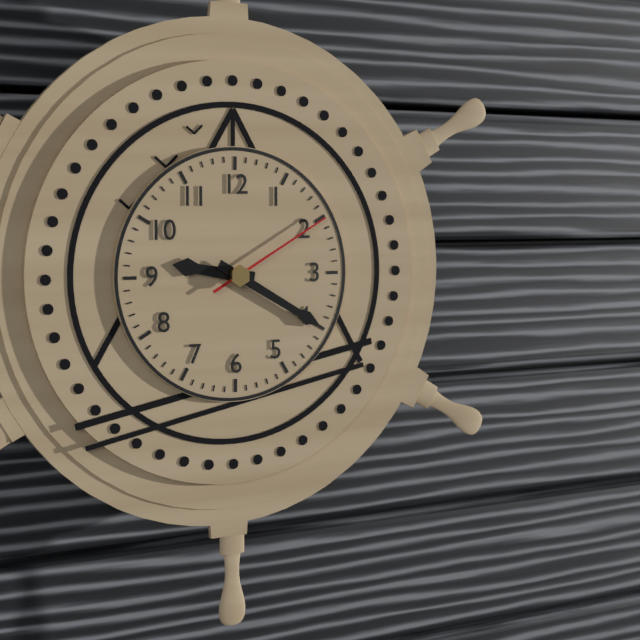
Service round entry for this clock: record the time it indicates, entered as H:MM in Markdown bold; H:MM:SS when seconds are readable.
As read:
**9:20:10**
